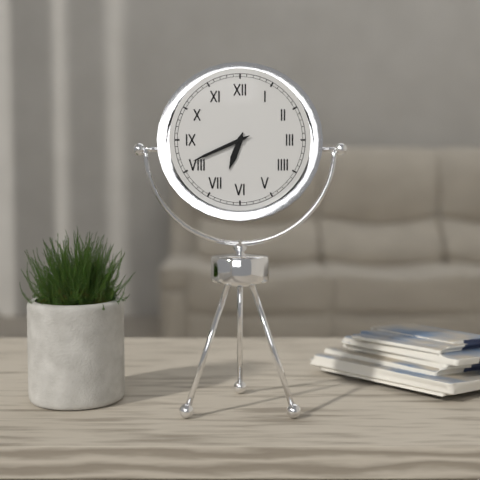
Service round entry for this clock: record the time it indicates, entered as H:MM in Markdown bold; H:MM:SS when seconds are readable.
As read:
**6:41**
